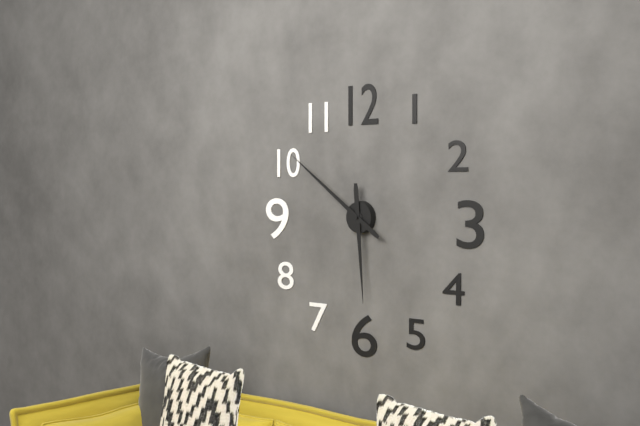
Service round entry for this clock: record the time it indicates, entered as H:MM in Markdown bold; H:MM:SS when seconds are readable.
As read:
**5:51**
